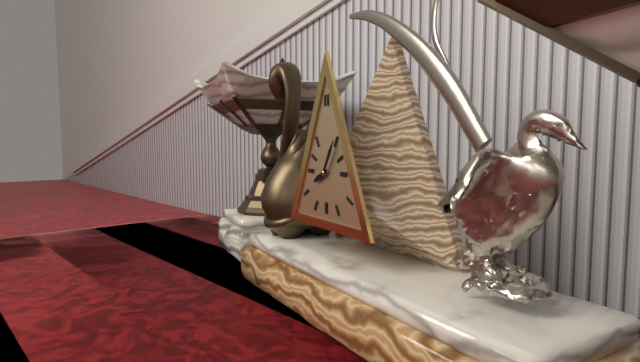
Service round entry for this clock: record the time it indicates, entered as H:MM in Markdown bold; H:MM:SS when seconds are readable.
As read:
**8:05**
